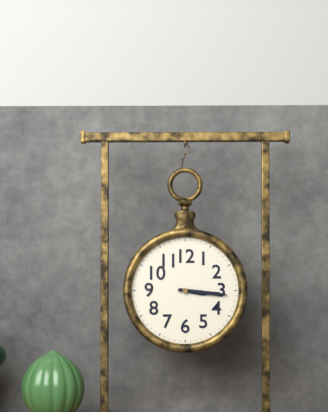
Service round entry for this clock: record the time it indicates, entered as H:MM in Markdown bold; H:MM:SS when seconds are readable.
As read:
**3:16**
